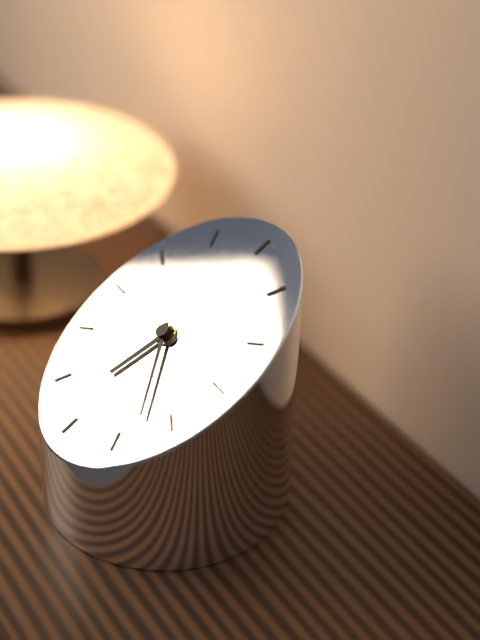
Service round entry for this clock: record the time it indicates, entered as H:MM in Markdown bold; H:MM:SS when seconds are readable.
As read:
**6:23**
